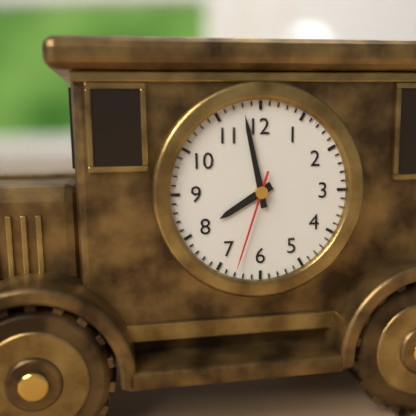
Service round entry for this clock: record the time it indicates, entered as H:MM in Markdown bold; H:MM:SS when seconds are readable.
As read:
**7:58:33**
